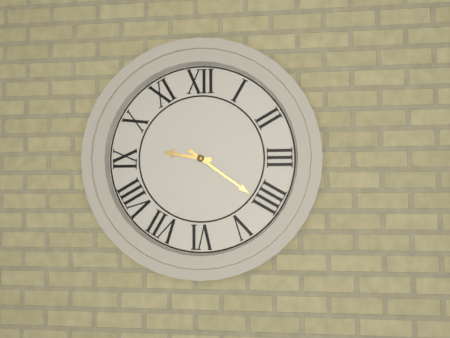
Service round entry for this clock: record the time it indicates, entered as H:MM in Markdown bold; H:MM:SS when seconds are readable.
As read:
**9:21**
